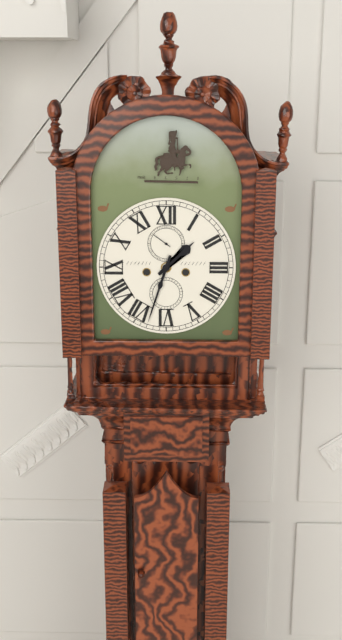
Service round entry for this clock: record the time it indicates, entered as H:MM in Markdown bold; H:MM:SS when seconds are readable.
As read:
**1:33**
